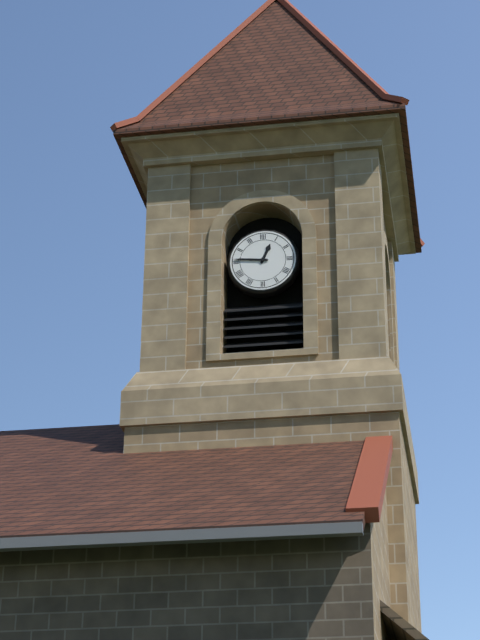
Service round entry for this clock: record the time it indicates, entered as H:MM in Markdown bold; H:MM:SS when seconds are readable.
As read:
**12:46**
